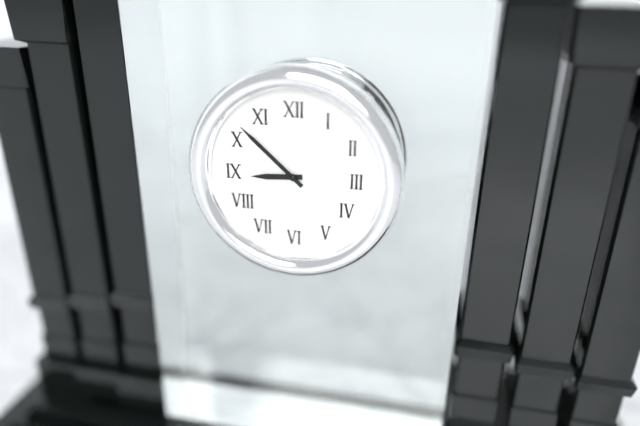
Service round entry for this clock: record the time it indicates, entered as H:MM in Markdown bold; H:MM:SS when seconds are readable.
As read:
**8:52**
